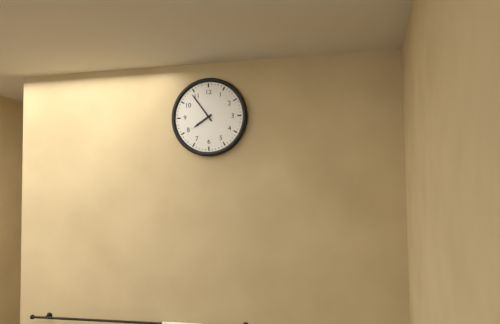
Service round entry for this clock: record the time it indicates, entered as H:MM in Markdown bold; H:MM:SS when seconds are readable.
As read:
**7:54**
